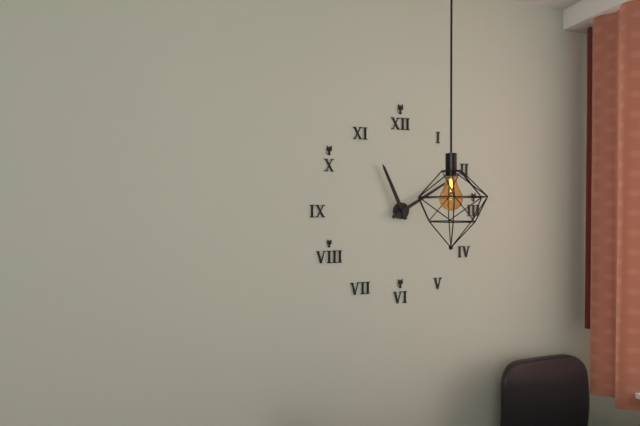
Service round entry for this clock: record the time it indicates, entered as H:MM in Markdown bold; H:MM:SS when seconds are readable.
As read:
**11:10**
